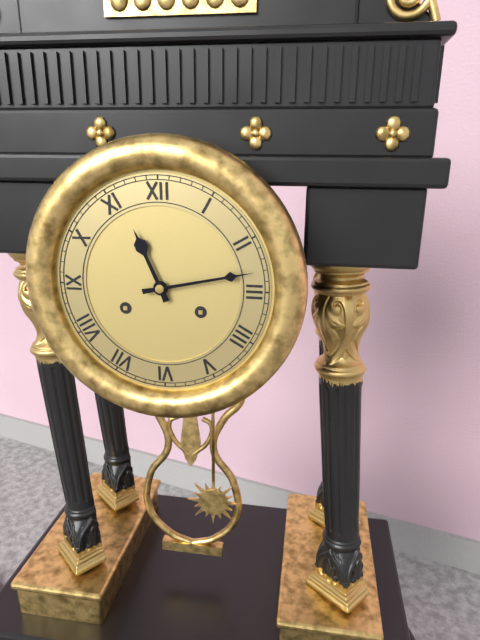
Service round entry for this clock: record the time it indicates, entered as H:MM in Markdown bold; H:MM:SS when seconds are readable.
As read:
**11:13**
